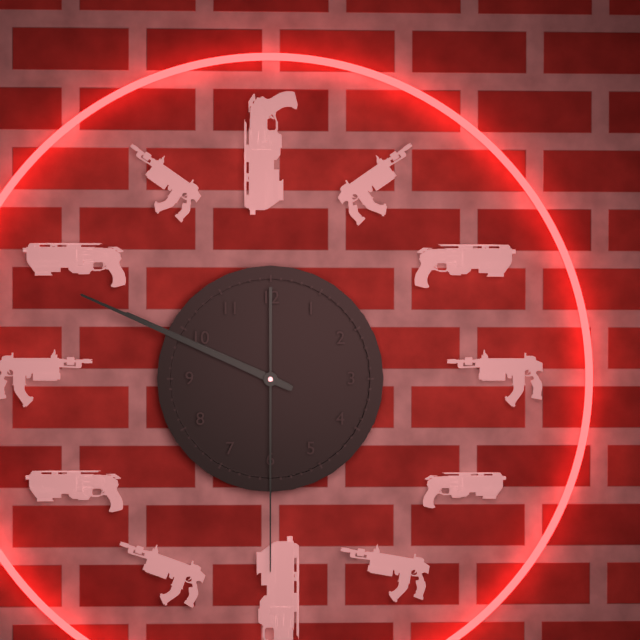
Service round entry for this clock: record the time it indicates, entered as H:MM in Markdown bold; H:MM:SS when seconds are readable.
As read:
**9:49:30**
